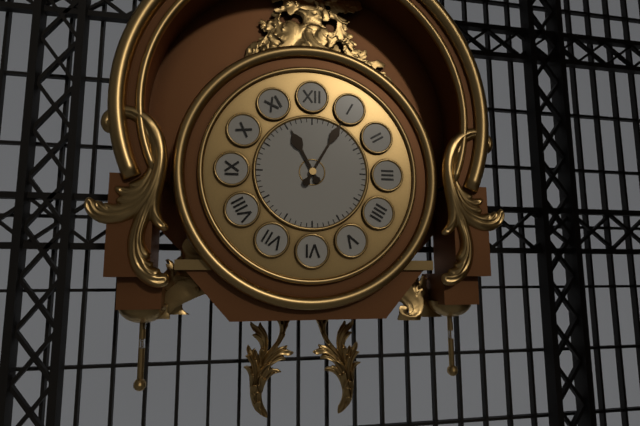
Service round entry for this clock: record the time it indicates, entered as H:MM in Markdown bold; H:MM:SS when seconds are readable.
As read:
**11:05**
